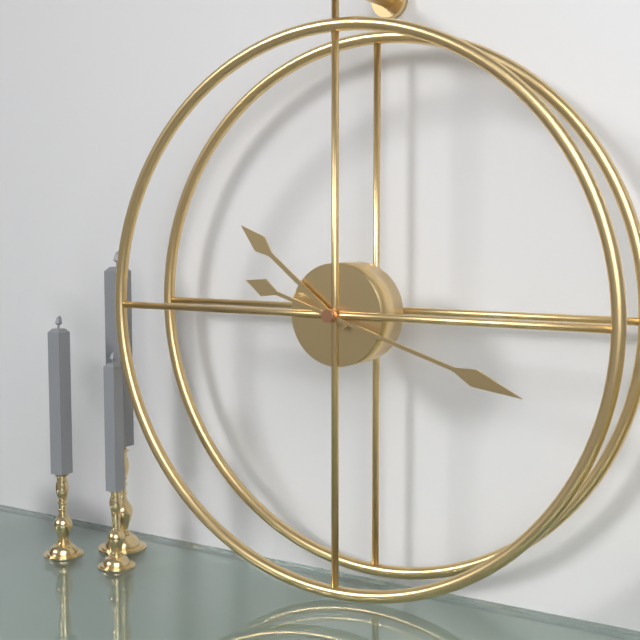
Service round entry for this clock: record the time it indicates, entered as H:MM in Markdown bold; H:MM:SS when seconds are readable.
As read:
**10:18**
